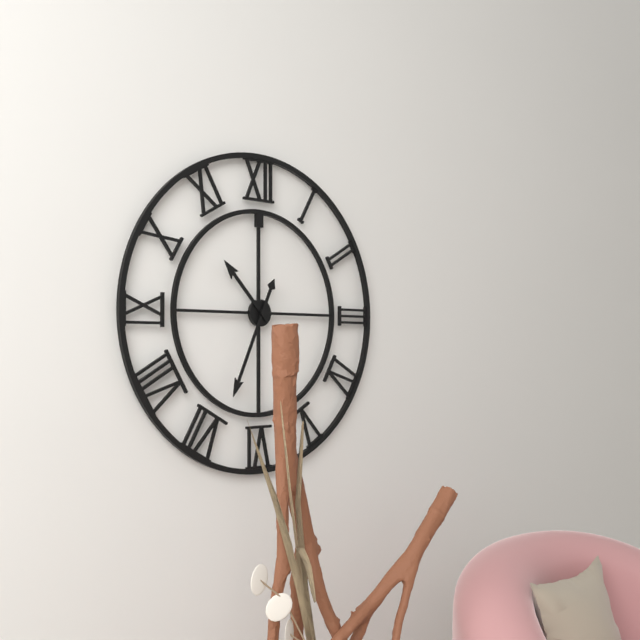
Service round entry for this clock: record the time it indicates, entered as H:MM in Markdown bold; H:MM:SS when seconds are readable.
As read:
**10:34**
